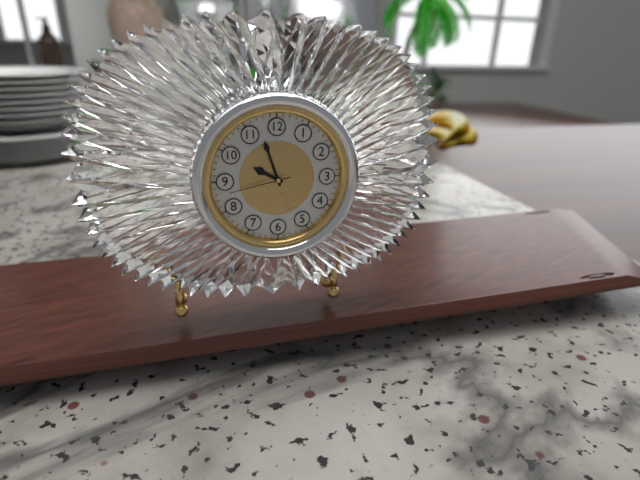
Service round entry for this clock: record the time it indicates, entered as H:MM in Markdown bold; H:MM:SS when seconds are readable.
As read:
**9:57:43**
